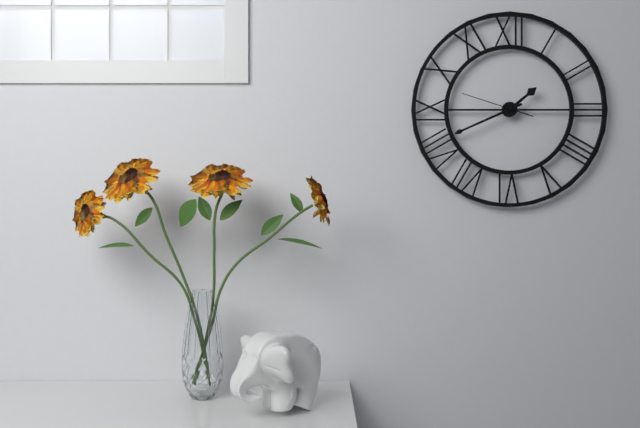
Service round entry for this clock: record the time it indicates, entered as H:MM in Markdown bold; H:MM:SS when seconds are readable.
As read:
**1:41:48**
